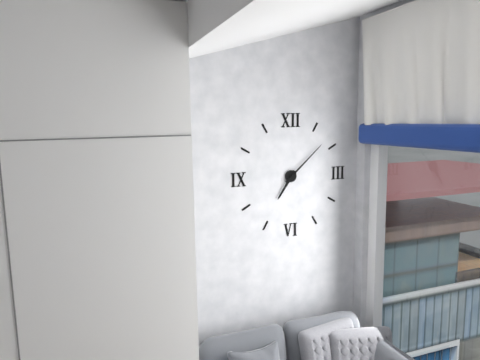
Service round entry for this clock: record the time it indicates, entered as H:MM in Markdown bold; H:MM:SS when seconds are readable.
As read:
**7:08**
